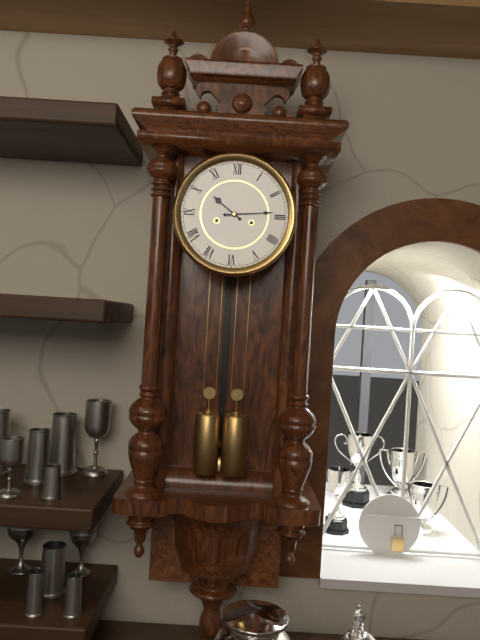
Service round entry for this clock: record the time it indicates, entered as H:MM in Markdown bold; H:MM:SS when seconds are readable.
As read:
**10:14**
